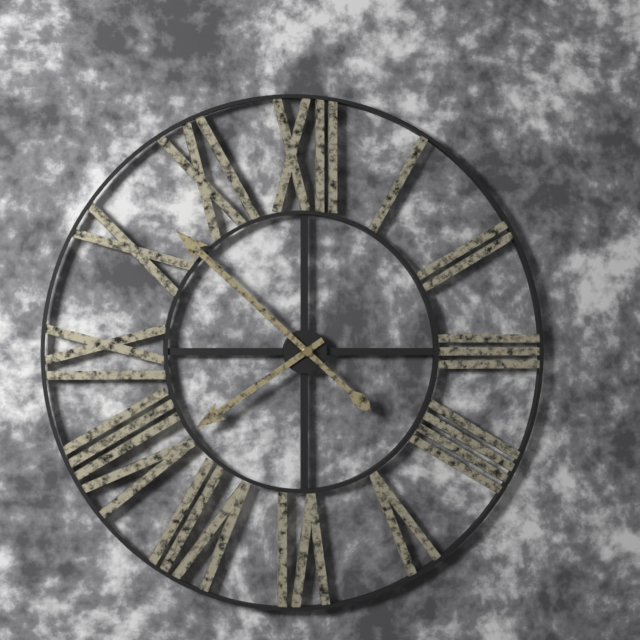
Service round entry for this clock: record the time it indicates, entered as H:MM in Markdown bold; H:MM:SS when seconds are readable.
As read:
**7:52**
